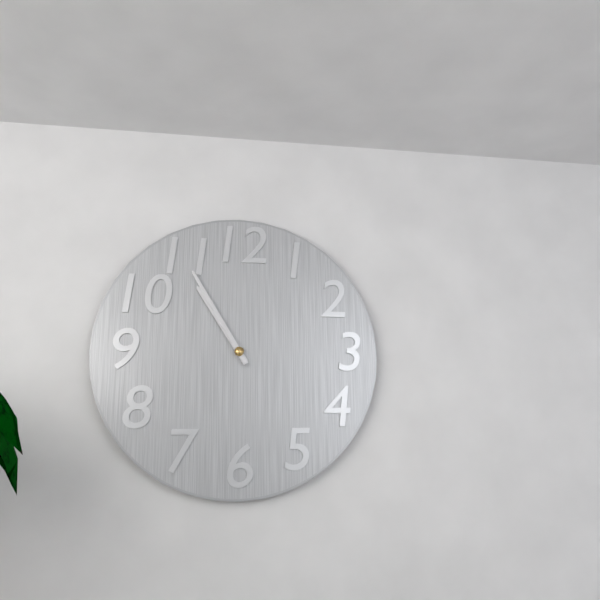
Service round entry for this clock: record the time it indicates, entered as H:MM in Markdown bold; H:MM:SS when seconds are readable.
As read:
**10:55**
